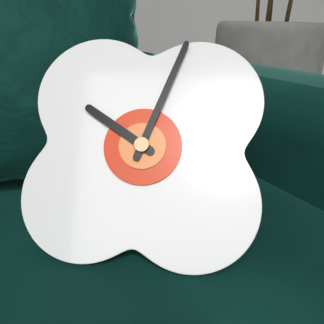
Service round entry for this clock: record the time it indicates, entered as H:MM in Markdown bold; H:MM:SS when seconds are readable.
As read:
**10:03**
